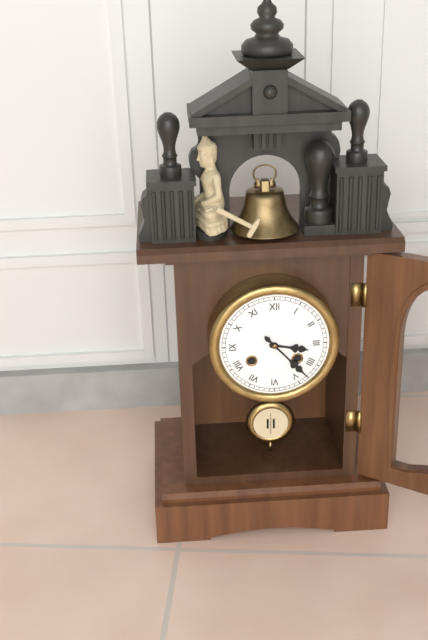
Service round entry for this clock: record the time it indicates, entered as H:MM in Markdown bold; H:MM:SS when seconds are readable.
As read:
**3:23**
